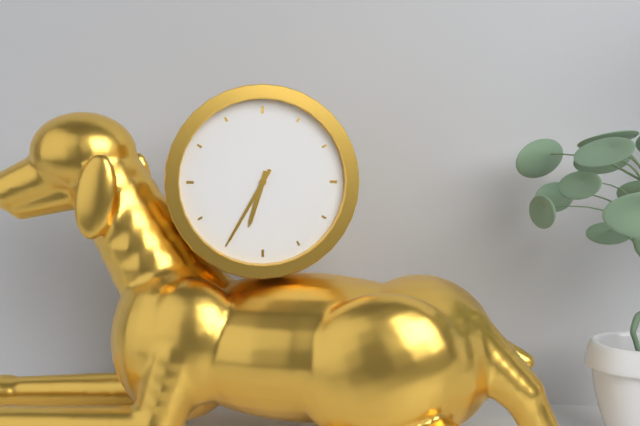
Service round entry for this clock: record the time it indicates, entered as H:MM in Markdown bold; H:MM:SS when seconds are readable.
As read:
**6:35**
